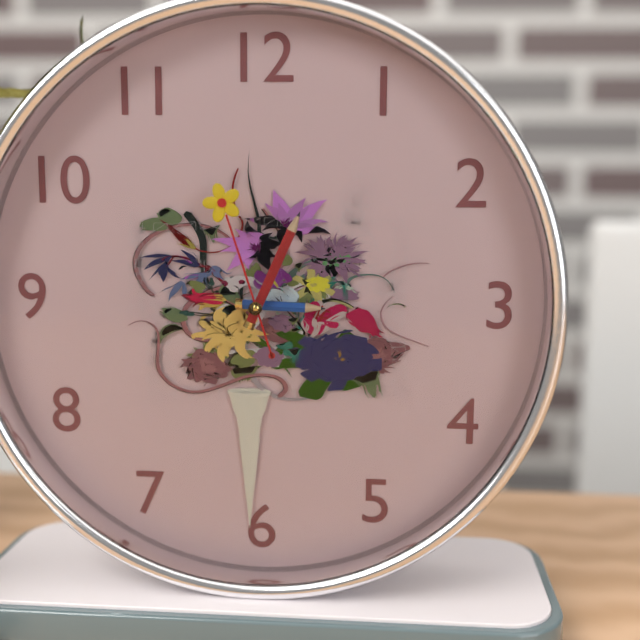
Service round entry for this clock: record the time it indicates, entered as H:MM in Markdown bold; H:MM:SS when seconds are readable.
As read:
**3:04:57**
